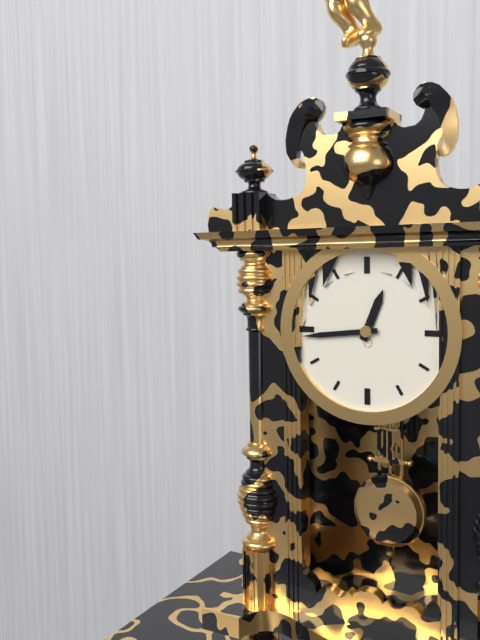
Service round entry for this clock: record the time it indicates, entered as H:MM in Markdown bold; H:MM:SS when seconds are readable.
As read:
**12:44**
